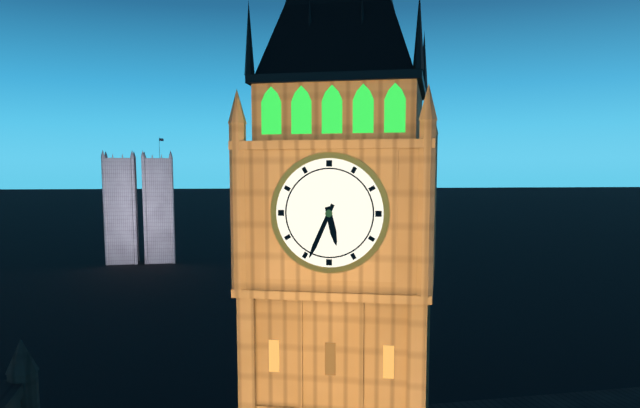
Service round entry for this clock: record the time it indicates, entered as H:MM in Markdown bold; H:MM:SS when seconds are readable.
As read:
**5:34**
